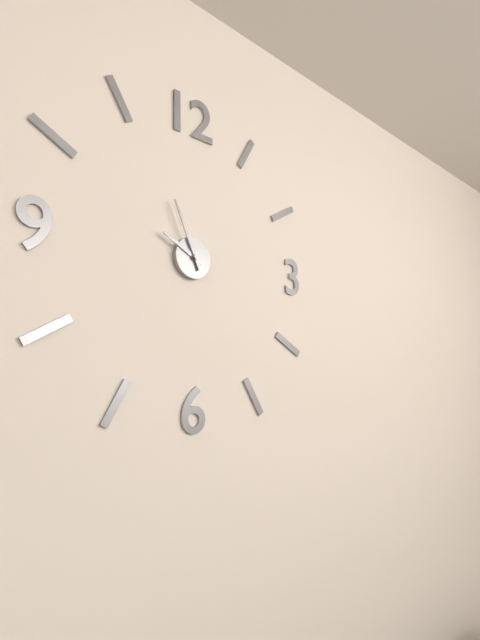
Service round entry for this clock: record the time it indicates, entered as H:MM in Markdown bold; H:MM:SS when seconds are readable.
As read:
**9:56**
